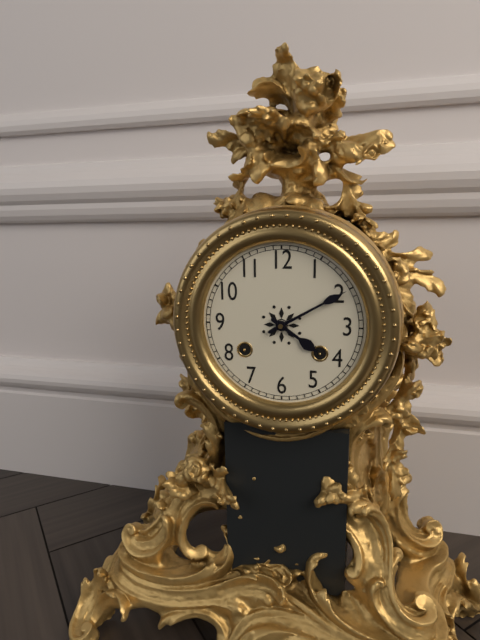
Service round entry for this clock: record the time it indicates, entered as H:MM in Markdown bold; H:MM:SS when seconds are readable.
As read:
**4:10**
